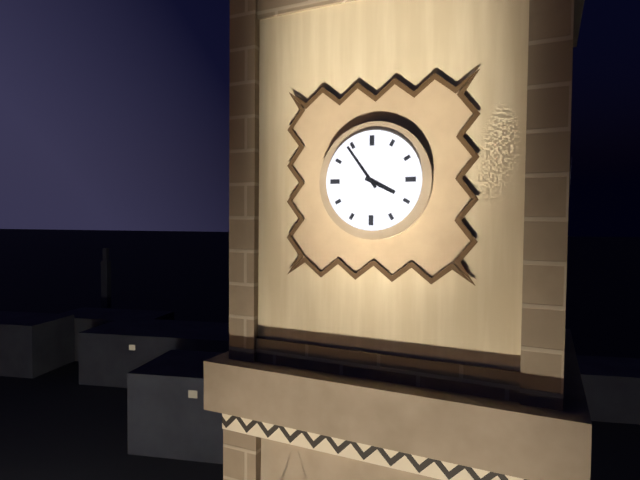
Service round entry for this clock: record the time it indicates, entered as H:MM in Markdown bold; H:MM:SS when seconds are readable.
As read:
**3:54**
